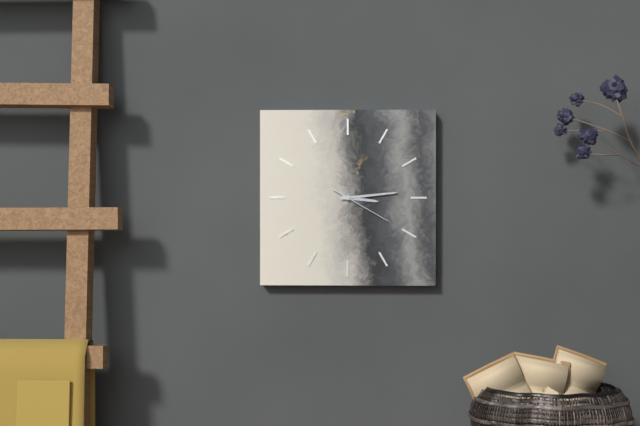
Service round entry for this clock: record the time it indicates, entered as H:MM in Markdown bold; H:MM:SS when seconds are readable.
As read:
**3:14:20**
